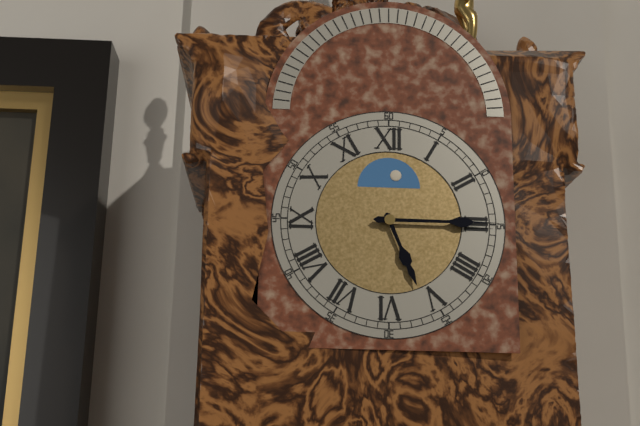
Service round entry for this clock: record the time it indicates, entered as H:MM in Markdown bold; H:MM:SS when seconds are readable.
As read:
**5:15**
